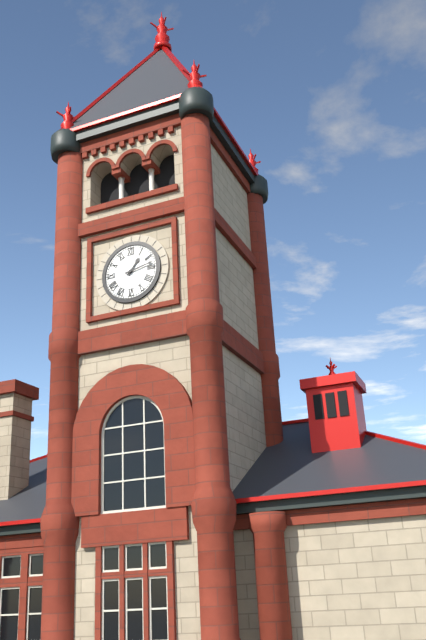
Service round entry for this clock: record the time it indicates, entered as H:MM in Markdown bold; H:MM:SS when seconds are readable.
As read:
**1:13**
